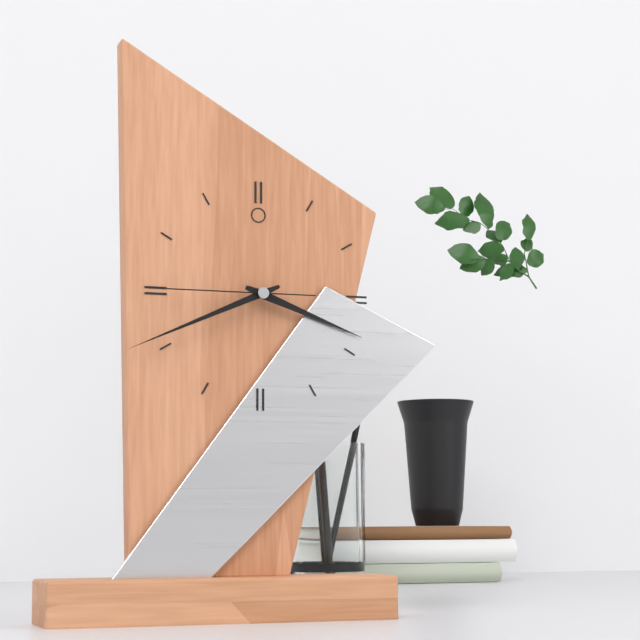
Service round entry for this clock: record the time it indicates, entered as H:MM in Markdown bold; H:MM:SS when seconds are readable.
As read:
**3:41:45**
